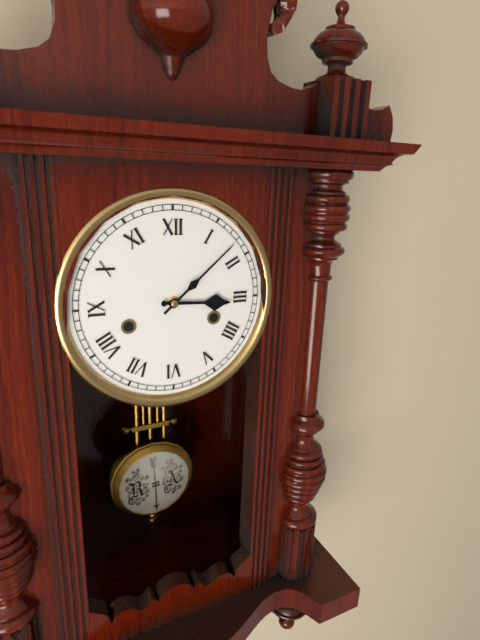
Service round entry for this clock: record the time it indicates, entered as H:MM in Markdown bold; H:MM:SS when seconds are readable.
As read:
**3:08**
